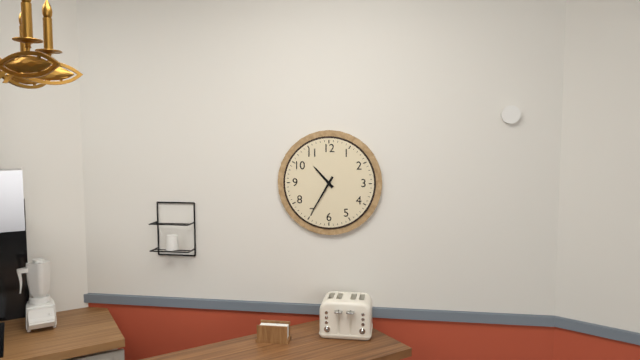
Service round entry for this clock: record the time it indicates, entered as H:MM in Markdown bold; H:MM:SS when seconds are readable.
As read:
**10:35**
